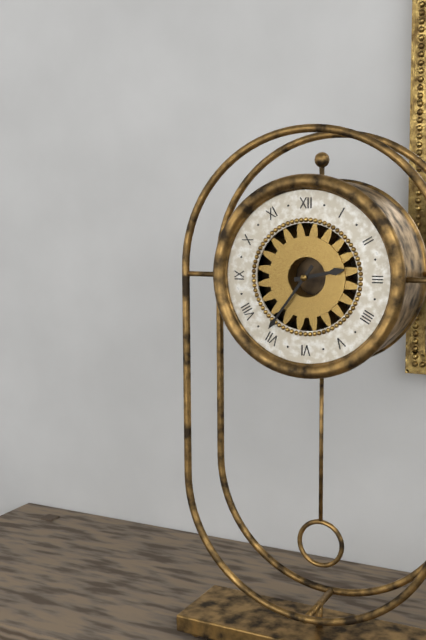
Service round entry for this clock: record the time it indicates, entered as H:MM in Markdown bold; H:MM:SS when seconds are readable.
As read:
**2:36**
